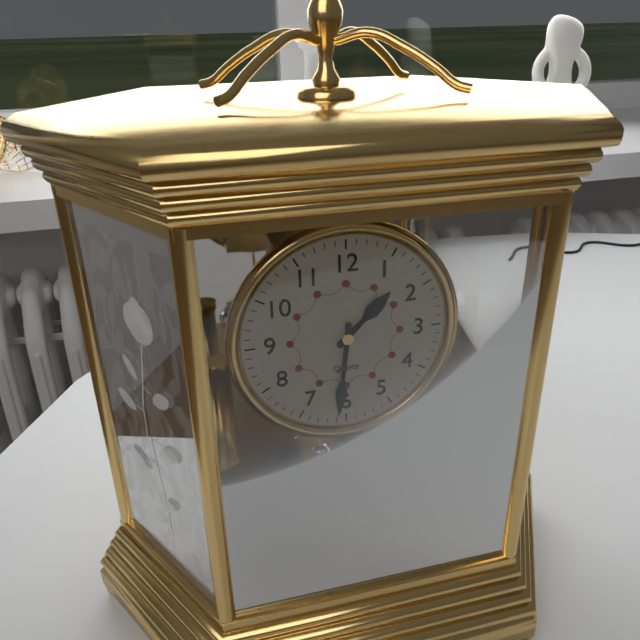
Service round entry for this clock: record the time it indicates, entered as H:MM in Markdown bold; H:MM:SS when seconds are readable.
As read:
**1:31**
